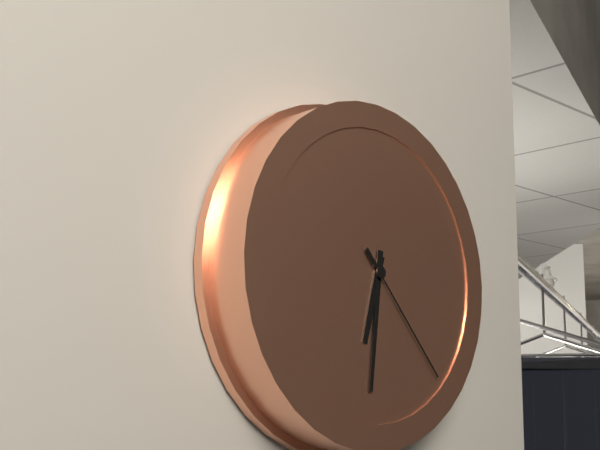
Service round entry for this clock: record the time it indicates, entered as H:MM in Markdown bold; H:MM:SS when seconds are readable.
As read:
**6:31:23**
